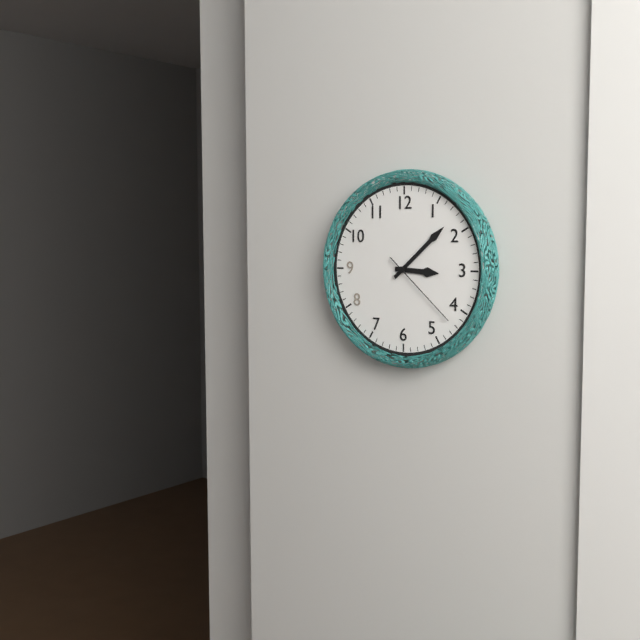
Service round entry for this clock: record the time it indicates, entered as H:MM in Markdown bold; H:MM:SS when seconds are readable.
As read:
**3:08:22**
